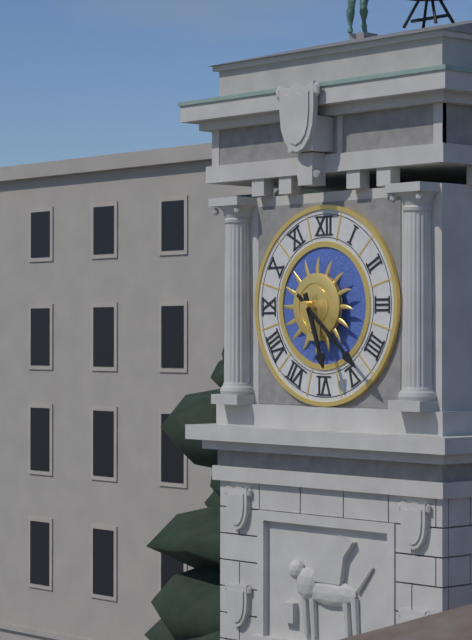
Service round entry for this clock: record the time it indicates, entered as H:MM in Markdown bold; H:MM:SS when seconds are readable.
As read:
**5:22**
